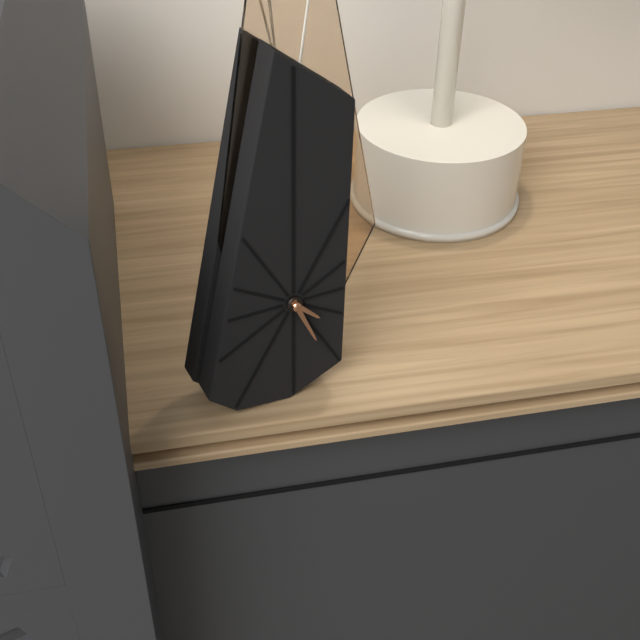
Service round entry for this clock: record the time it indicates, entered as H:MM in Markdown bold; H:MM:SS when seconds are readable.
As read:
**4:26**
